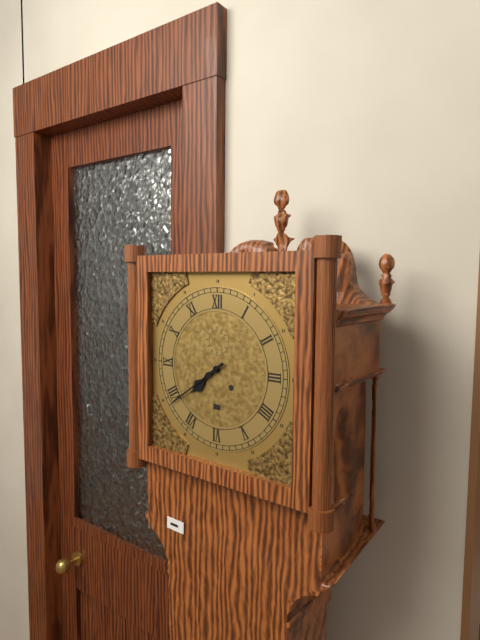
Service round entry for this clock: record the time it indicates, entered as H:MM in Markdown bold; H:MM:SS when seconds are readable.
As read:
**7:39**
